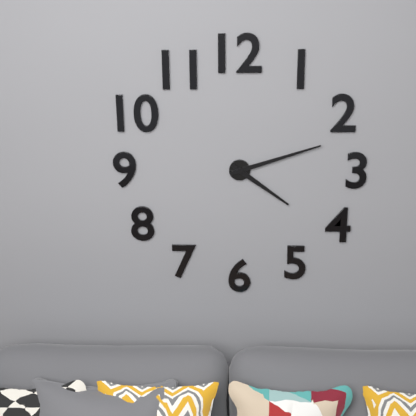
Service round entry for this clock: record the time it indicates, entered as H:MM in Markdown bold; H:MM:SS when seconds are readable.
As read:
**4:12**
